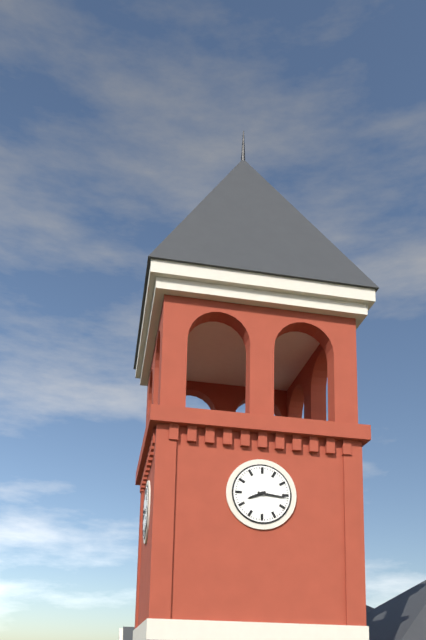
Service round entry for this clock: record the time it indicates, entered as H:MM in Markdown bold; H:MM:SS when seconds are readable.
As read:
**8:16**
